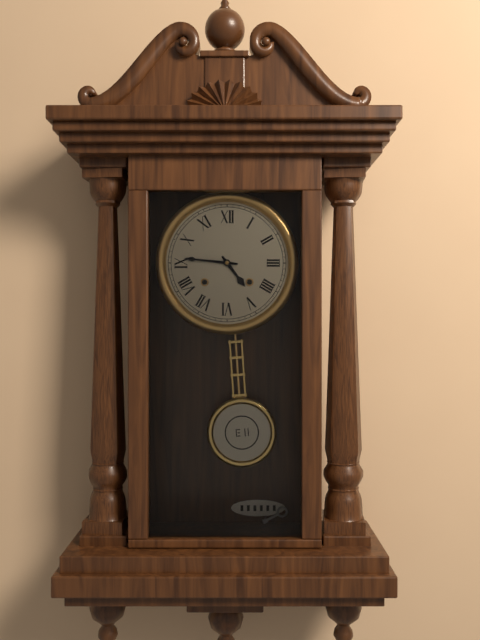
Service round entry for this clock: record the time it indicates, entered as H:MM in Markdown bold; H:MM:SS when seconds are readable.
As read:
**4:46**
